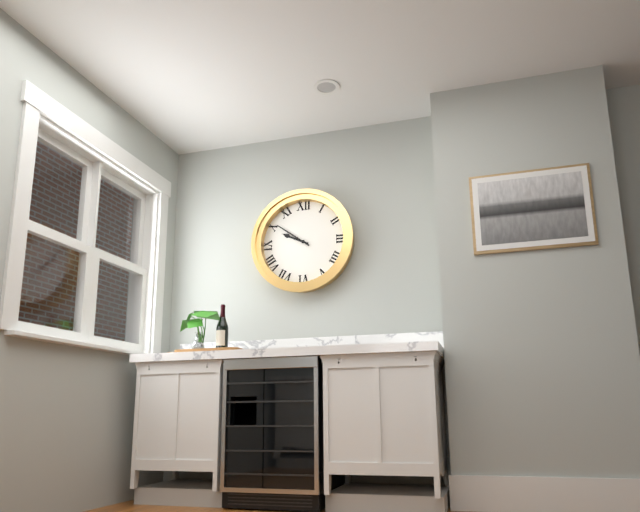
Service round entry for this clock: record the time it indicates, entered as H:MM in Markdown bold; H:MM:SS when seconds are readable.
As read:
**9:51**
